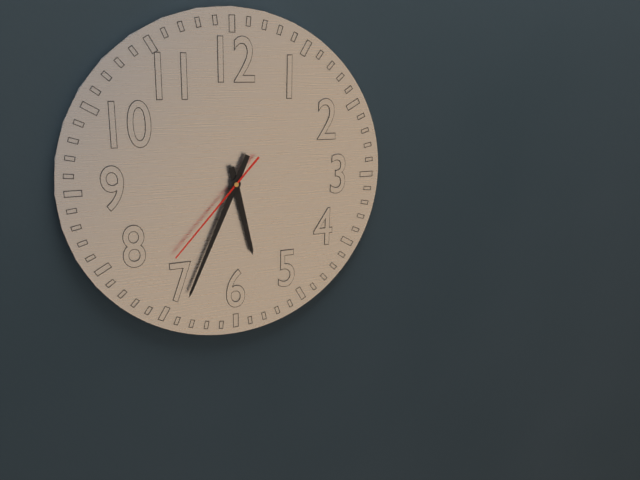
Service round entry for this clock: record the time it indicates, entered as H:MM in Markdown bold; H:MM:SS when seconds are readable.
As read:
**5:34:37**
